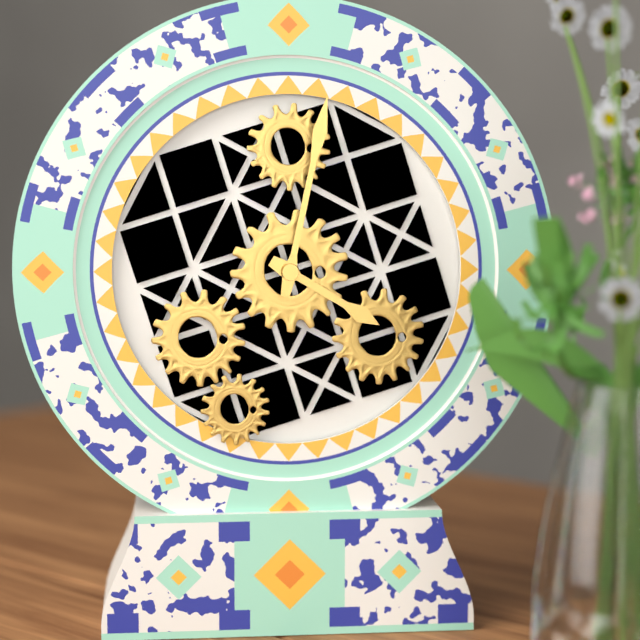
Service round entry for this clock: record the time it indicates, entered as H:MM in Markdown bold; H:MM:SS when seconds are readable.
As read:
**4:02**
